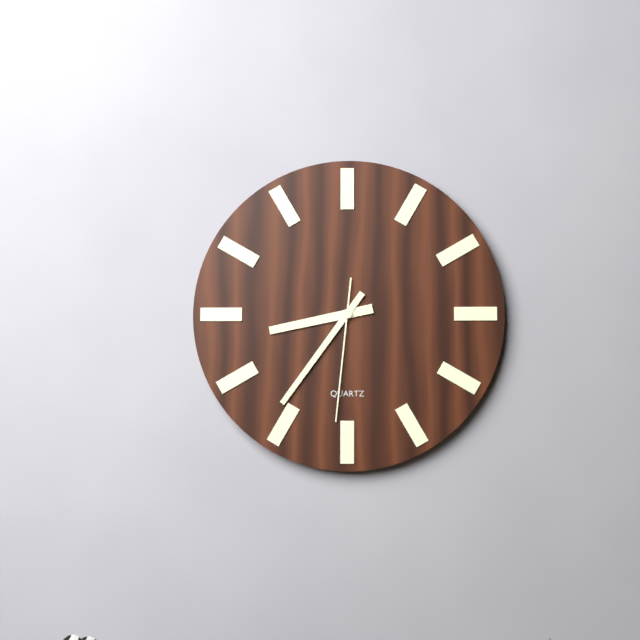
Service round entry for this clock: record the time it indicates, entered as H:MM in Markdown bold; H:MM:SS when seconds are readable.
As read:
**8:36:31**
